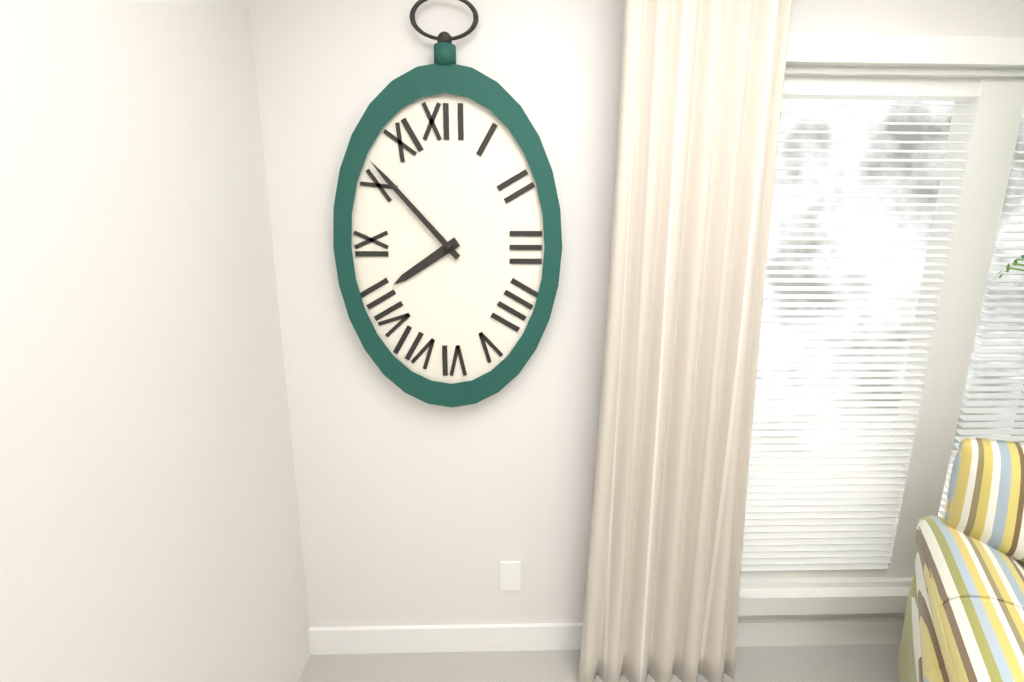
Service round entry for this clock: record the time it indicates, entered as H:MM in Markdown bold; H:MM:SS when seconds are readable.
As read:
**7:53**
